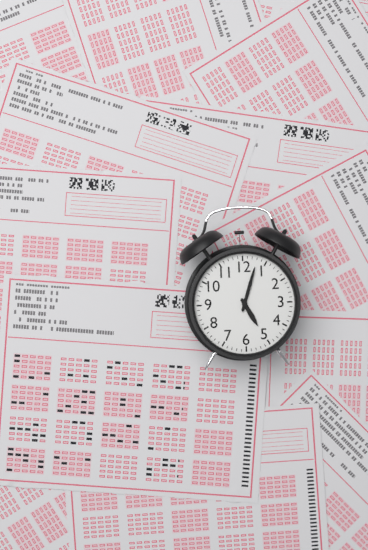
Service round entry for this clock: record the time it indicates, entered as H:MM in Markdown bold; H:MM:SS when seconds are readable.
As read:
**5:03**
